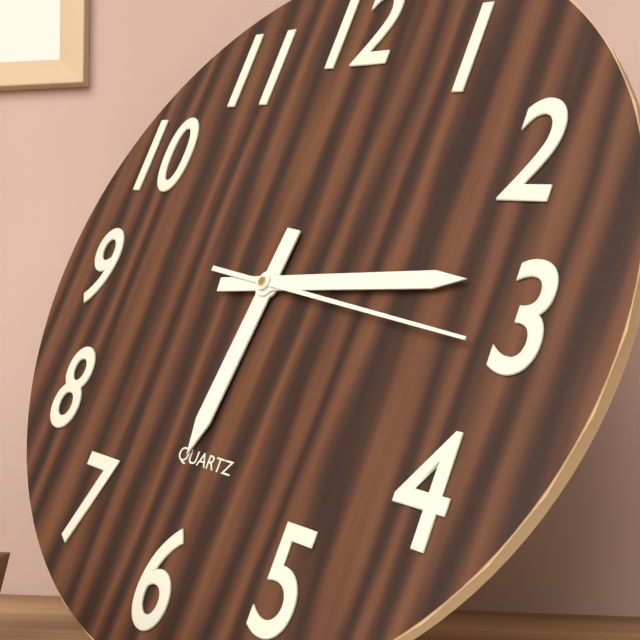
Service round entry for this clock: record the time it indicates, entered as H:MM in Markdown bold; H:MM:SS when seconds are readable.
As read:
**6:14:16**
